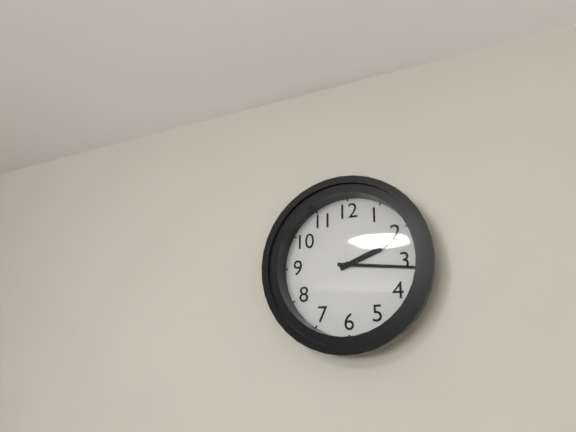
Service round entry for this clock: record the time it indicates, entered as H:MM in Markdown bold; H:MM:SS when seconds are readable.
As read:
**2:16**
